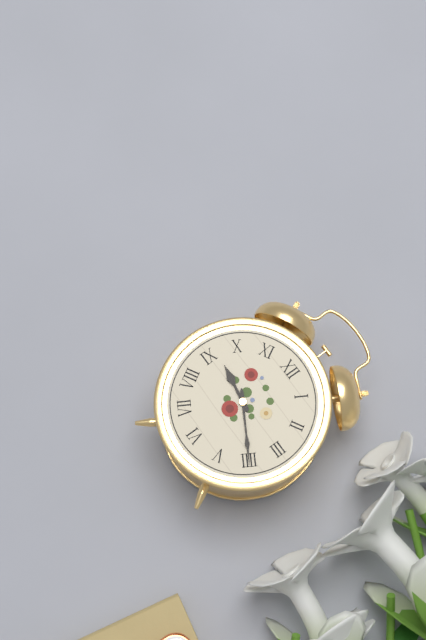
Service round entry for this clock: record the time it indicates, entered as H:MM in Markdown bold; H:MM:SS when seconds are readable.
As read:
**9:20**
